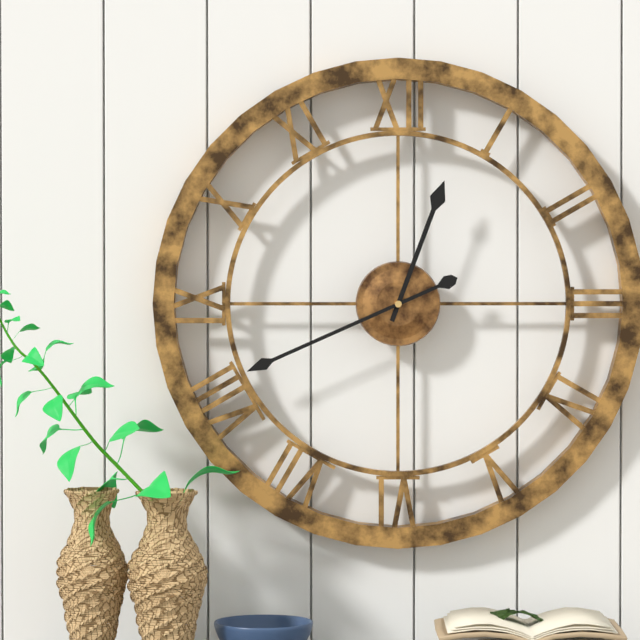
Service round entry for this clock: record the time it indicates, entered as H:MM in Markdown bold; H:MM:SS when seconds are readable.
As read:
**12:41**
